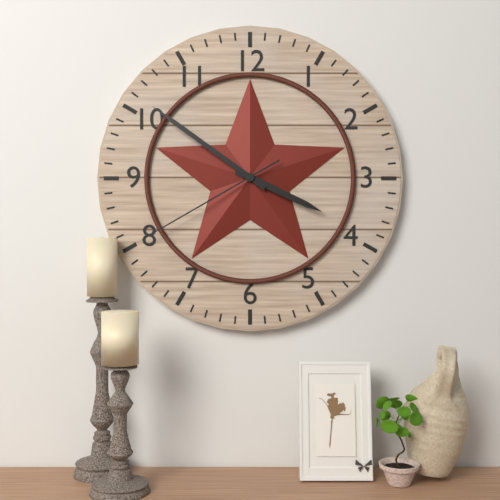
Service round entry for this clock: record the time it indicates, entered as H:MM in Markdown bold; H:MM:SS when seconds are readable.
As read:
**3:51:40**
